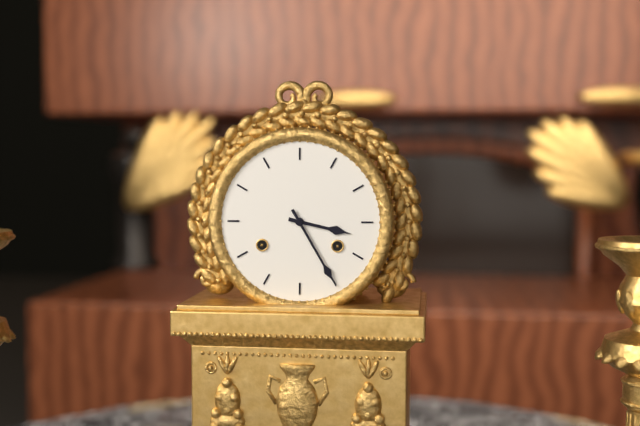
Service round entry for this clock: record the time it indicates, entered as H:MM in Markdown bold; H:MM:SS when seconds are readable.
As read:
**3:25**
